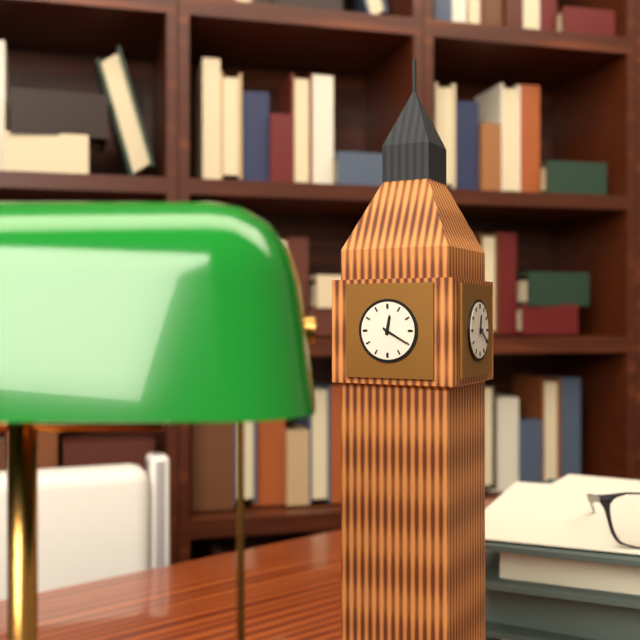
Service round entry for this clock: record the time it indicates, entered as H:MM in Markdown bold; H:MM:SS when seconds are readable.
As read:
**12:20**
